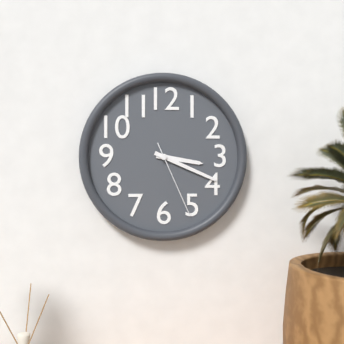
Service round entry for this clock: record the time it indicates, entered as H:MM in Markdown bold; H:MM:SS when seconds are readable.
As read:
**3:19:26**
